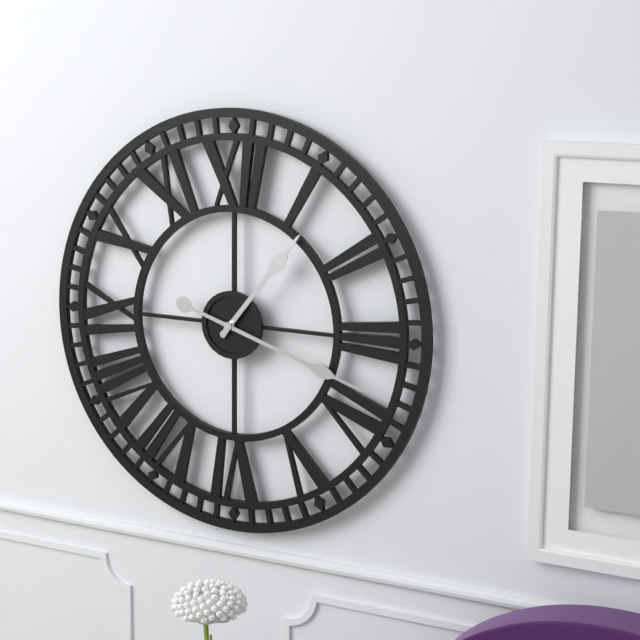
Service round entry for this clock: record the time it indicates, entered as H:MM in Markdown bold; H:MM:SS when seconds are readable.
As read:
**1:18**
